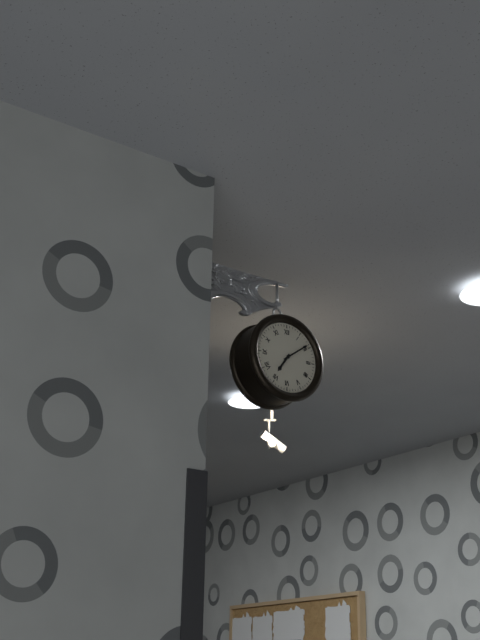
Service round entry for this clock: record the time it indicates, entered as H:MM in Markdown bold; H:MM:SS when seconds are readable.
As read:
**7:09**
